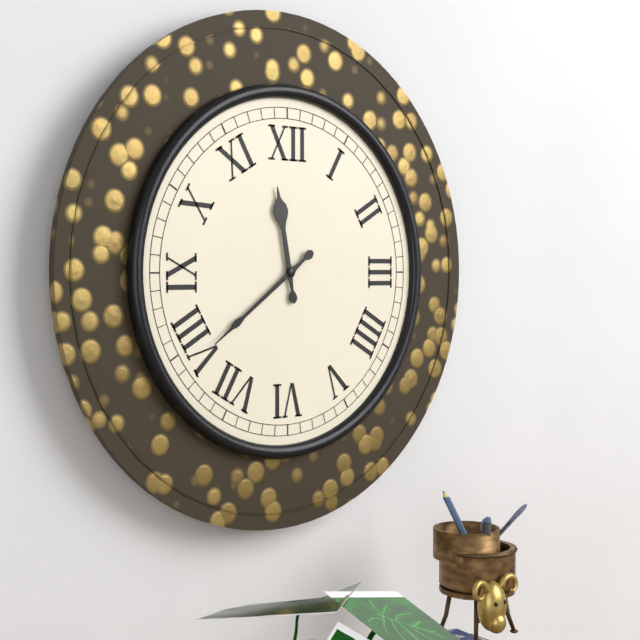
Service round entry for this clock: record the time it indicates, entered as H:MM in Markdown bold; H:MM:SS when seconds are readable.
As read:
**11:39**
